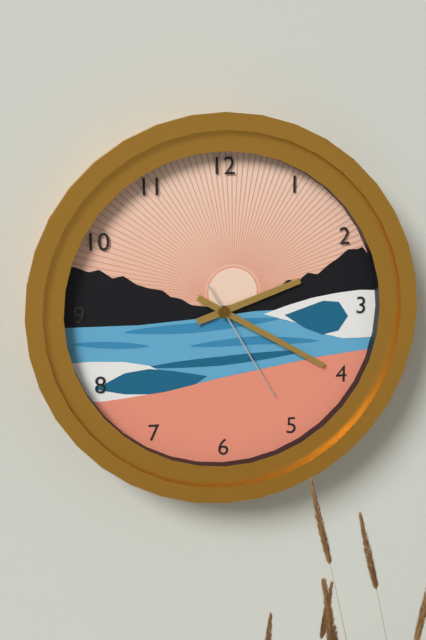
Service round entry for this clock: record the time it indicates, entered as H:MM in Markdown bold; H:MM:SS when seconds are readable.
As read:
**2:20:25**
